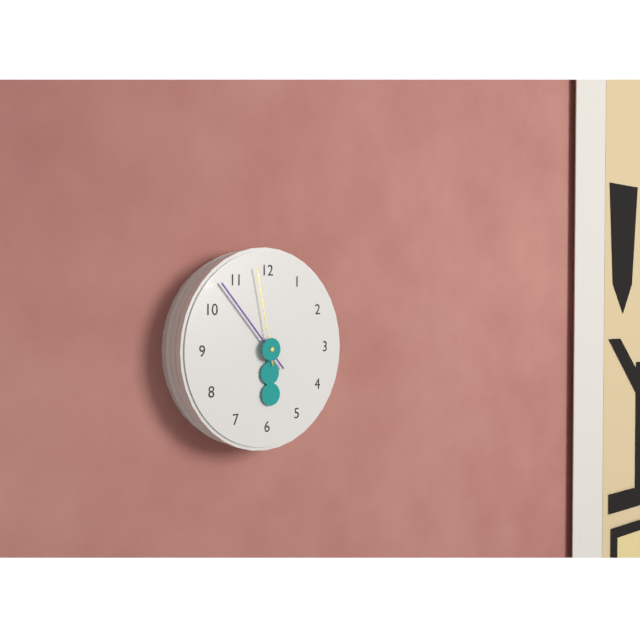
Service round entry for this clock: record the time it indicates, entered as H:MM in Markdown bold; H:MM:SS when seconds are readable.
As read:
**5:53:58**
